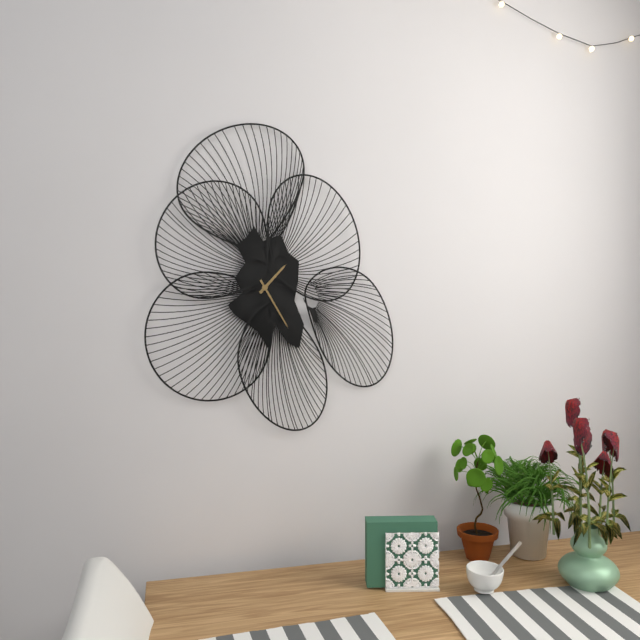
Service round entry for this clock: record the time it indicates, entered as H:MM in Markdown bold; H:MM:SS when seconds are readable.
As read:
**1:25**
